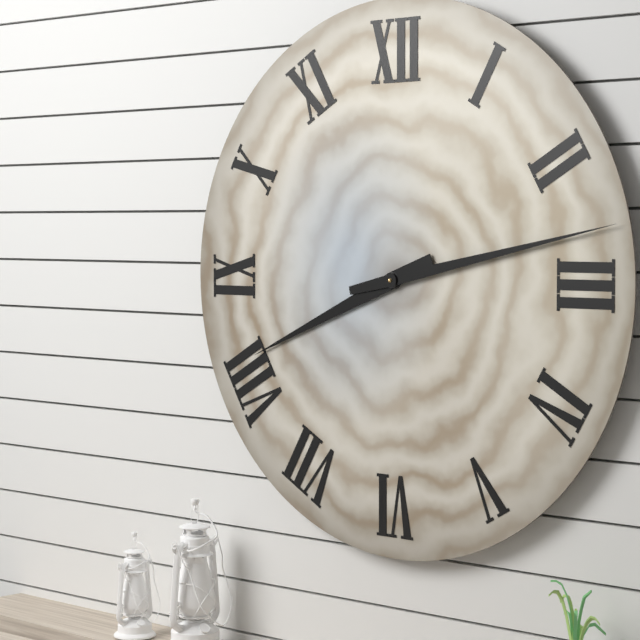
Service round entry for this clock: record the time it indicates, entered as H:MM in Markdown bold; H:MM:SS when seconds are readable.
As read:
**8:13**
